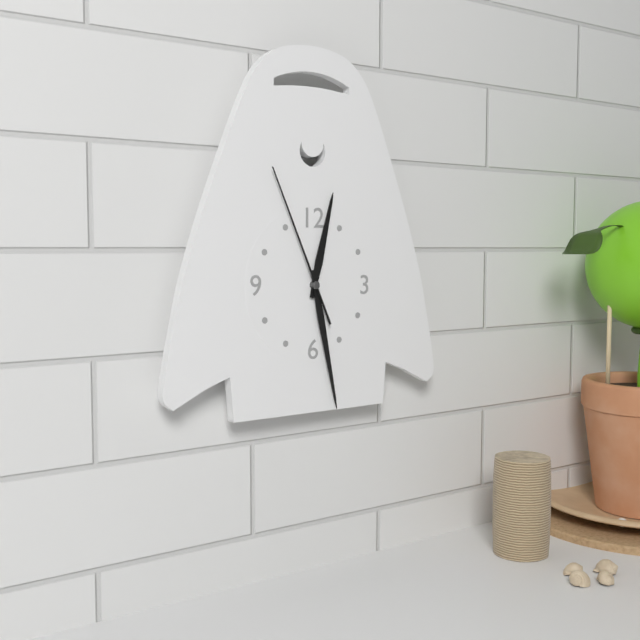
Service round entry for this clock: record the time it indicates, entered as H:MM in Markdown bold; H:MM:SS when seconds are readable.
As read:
**12:28:56**
